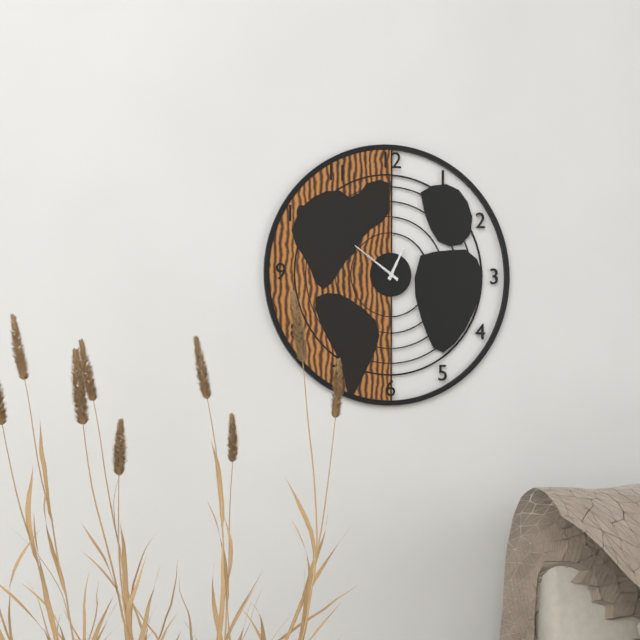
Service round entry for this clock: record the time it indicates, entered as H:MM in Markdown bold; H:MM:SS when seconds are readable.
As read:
**12:51**
